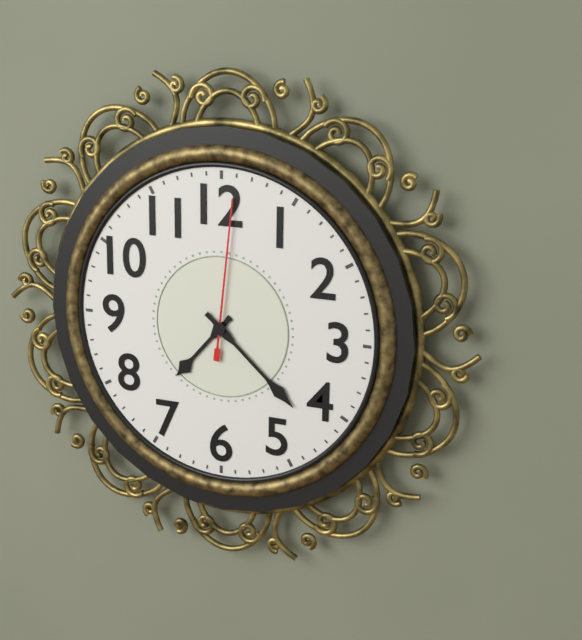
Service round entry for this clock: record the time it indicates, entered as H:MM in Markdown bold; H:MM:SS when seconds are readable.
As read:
**7:22:01**
